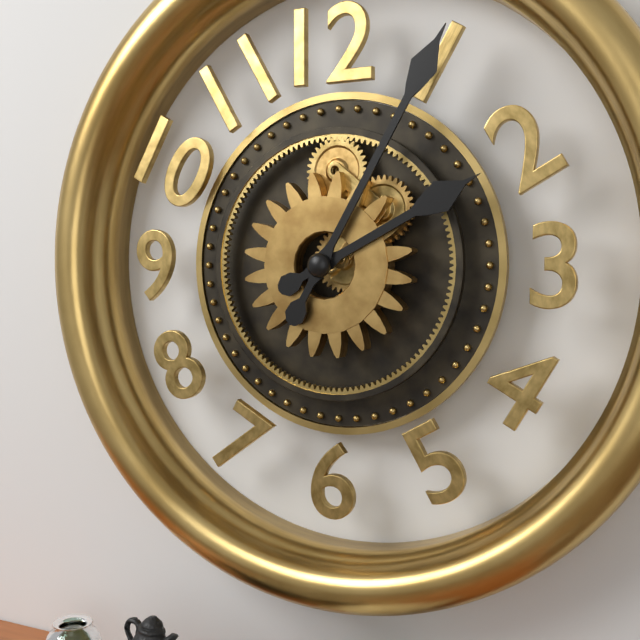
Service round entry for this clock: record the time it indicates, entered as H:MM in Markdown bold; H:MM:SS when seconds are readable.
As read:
**2:05**
